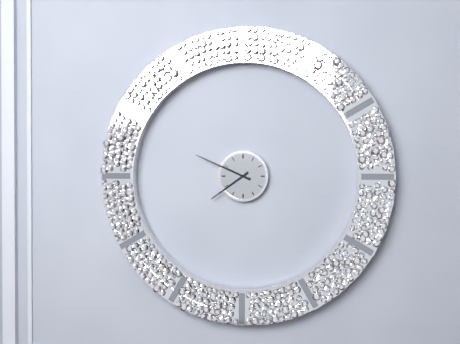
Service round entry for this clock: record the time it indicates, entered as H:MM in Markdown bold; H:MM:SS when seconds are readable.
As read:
**7:49**
